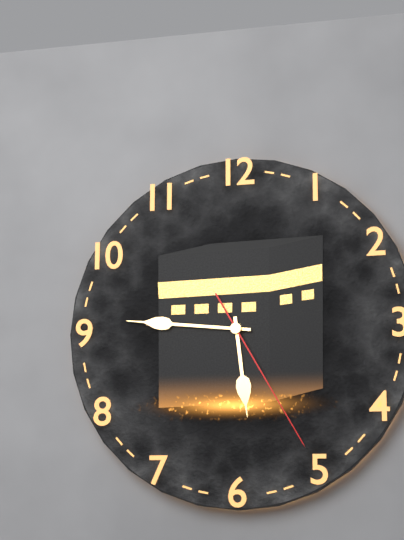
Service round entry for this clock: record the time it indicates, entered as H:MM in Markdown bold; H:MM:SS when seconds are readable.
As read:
**5:46:25**
